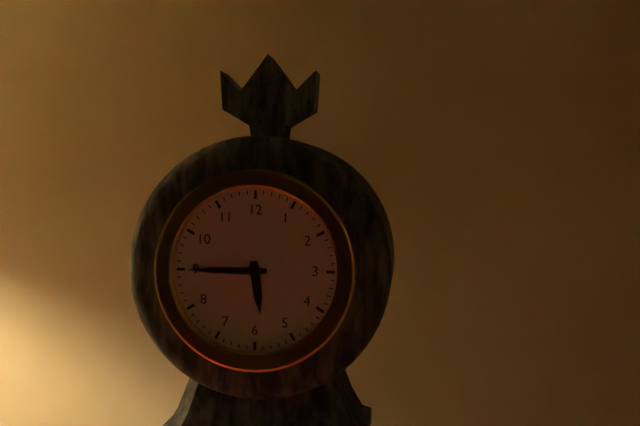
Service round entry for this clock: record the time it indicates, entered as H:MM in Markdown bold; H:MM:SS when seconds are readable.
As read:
**5:45**
